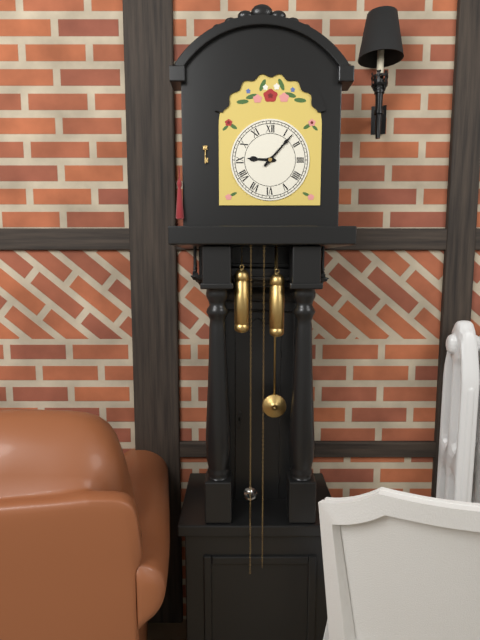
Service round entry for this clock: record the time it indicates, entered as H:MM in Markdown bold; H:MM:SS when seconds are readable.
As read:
**9:07**
